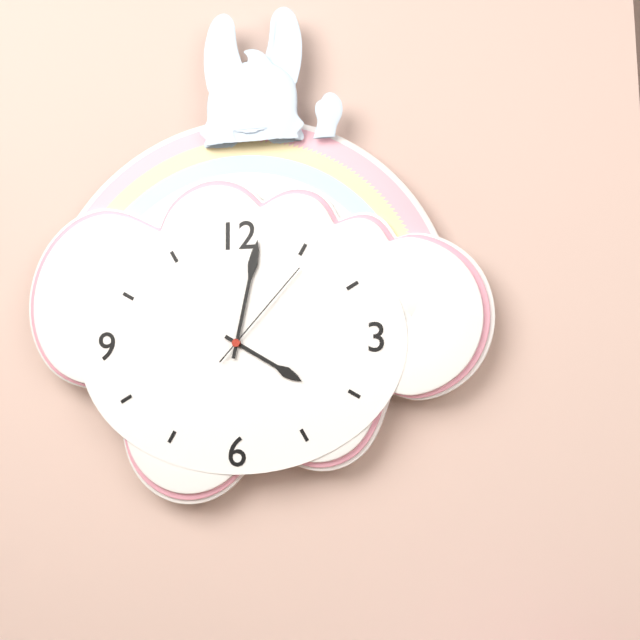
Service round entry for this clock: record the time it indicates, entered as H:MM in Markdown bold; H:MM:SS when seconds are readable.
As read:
**4:02:07**
